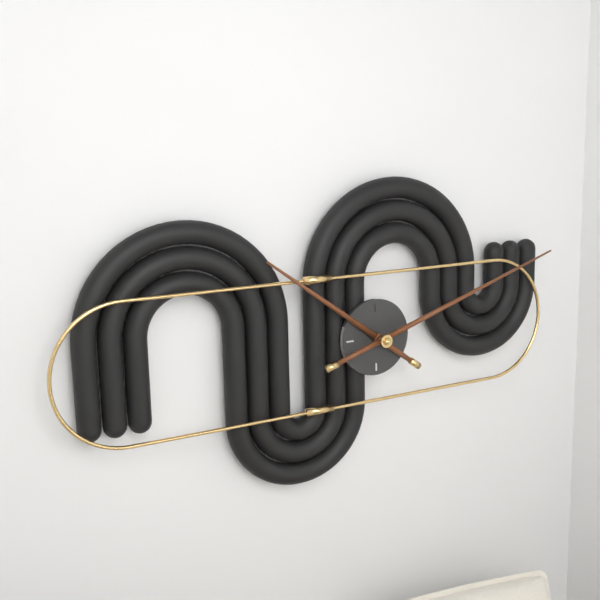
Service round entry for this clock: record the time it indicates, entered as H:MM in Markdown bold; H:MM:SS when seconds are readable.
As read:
**10:12**
